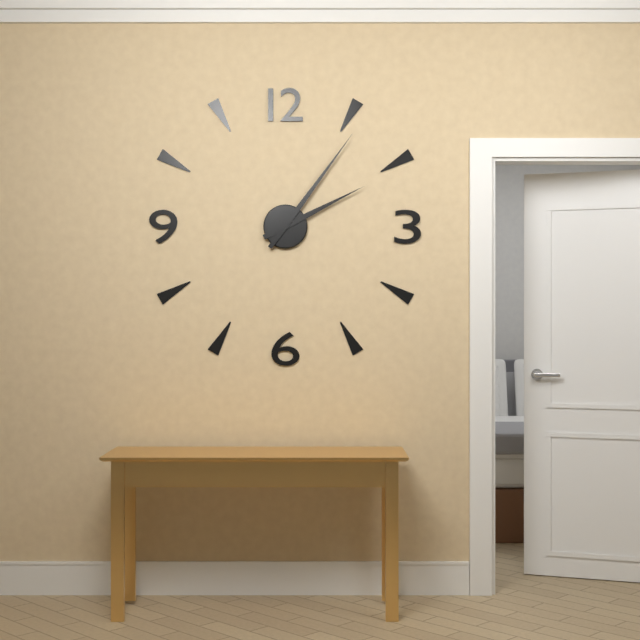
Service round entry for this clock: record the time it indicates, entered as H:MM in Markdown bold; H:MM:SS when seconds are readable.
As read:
**2:06**
